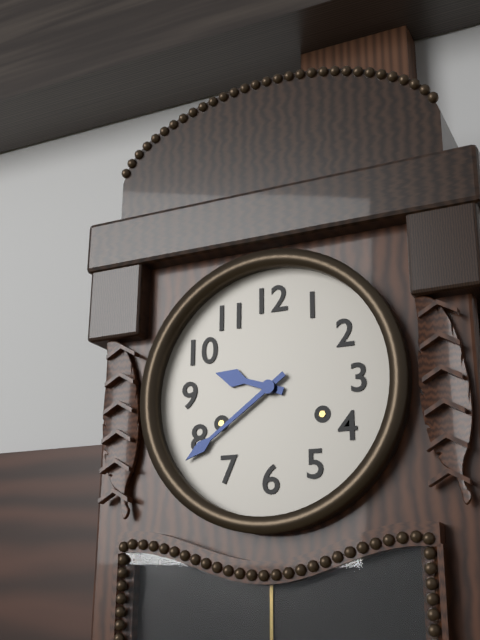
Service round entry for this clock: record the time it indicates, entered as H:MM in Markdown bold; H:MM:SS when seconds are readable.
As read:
**9:39**
